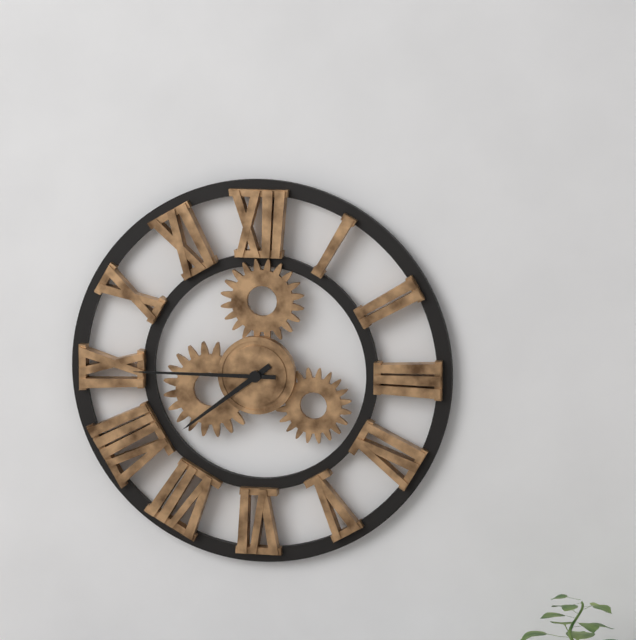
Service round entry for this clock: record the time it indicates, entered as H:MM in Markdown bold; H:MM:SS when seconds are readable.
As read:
**7:45**
